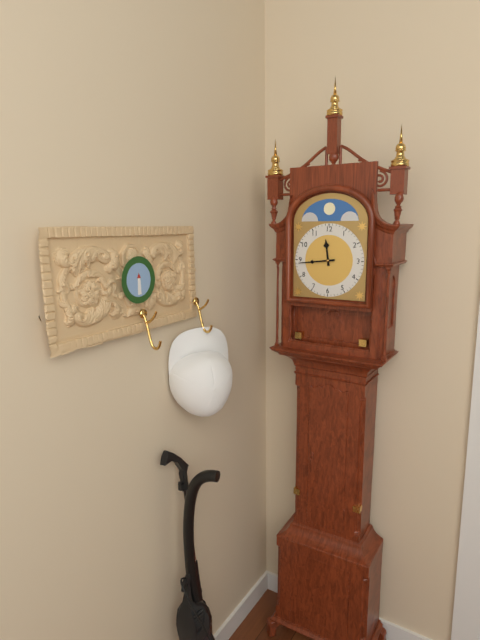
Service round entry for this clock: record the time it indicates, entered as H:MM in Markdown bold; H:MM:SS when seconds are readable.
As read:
**11:44**
